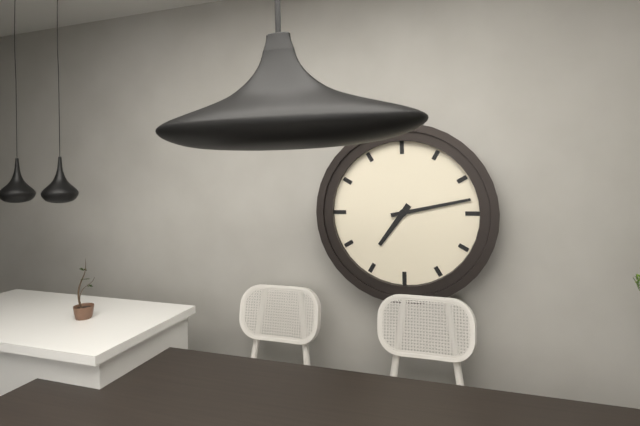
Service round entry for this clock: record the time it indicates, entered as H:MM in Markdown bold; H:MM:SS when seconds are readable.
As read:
**7:13**
